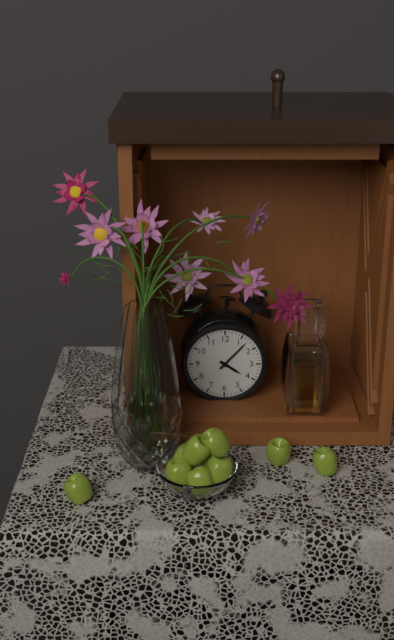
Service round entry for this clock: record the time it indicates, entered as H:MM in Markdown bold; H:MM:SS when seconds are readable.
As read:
**4:07**
